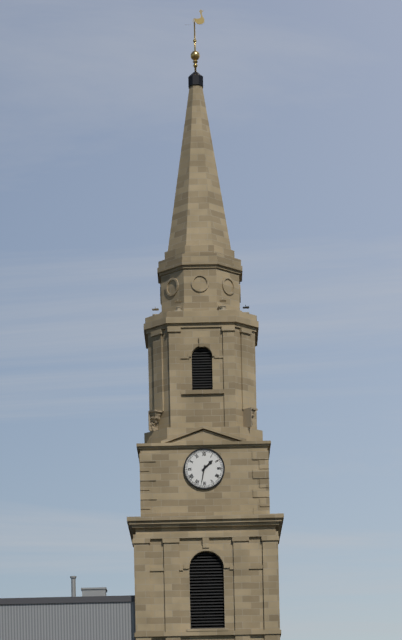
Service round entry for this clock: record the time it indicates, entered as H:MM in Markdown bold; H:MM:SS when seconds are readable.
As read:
**1:32**
